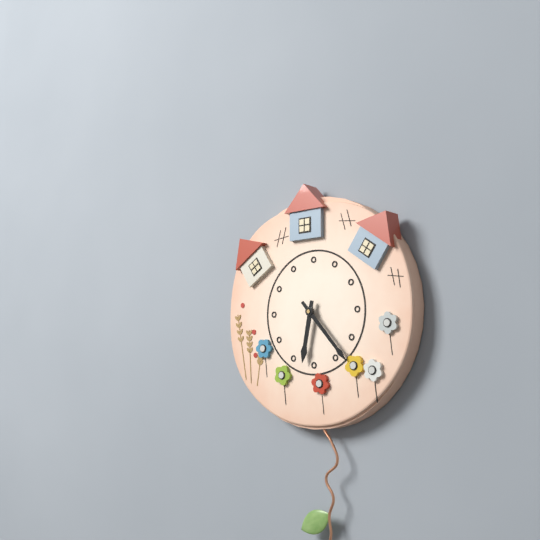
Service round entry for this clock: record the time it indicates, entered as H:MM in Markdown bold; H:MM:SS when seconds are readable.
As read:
**6:23**
